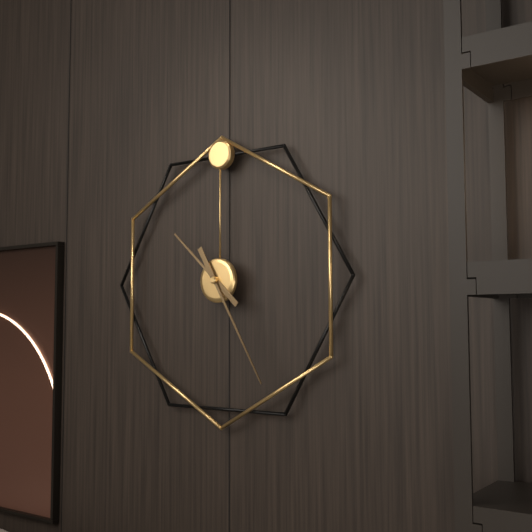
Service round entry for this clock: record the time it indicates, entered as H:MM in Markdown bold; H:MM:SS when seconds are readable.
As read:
**10:25**
